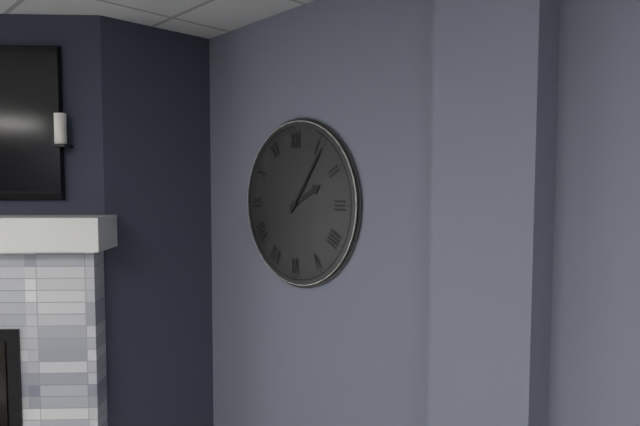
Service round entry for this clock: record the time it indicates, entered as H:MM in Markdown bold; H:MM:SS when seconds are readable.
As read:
**2:06**
